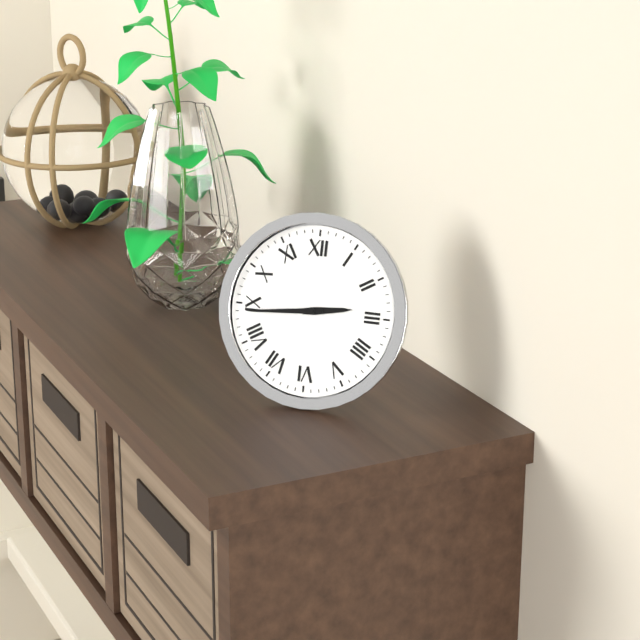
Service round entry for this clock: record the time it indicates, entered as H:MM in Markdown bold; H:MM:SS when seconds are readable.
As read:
**2:44**
